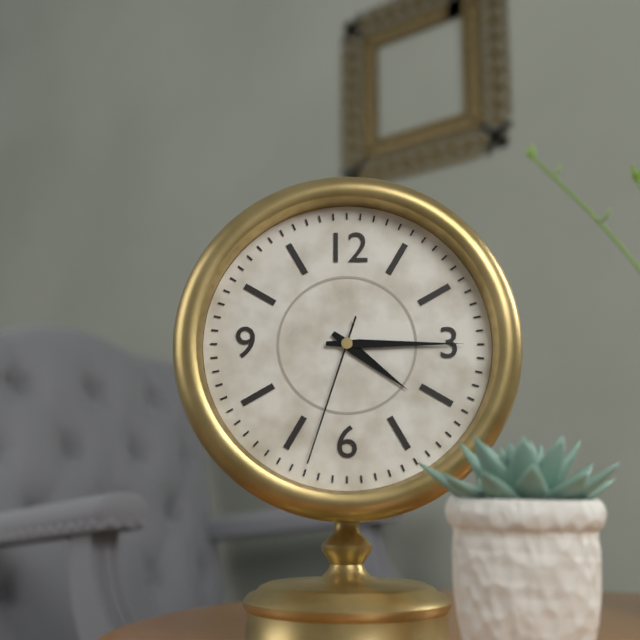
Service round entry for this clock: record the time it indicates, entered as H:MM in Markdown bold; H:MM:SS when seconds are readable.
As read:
**4:15:33**
